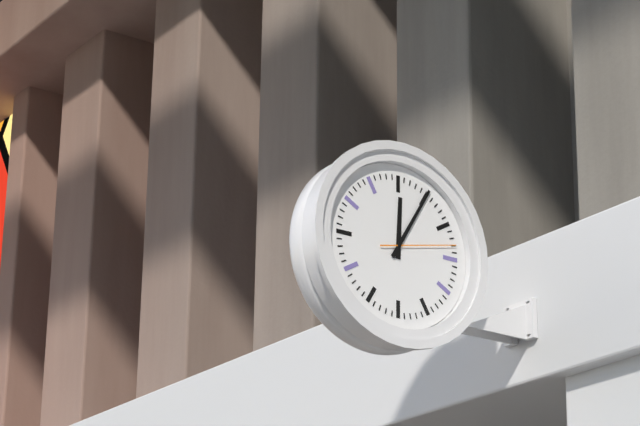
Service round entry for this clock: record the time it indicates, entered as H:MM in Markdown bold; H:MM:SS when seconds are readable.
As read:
**12:05:13**
